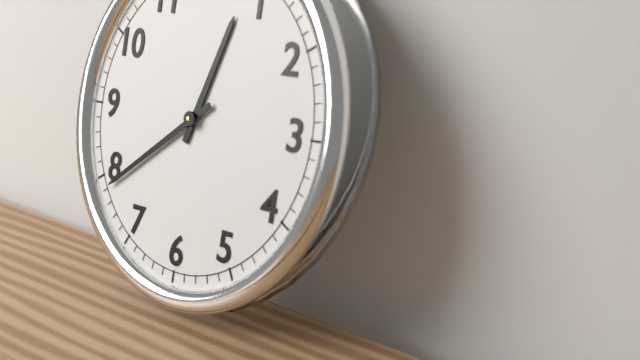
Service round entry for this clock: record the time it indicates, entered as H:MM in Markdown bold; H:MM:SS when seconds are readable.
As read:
**12:39**
